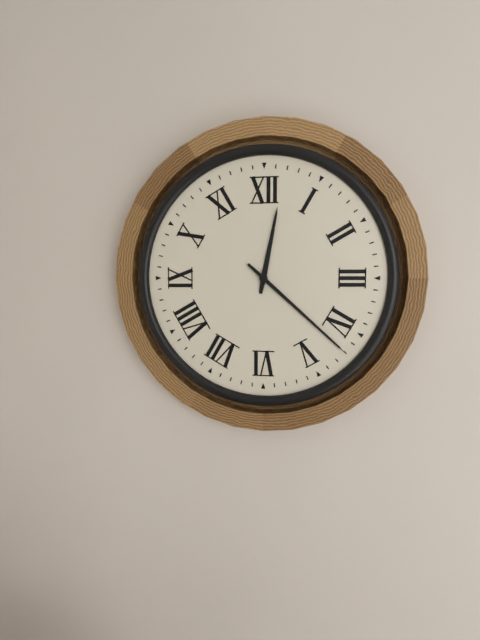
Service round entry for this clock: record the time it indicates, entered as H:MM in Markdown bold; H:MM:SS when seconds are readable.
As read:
**12:22**
